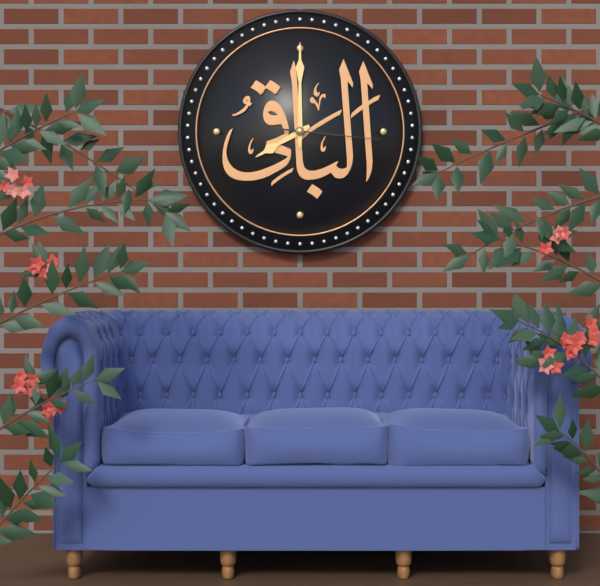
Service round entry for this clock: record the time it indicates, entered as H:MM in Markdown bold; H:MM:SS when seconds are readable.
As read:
**8:00:16**
